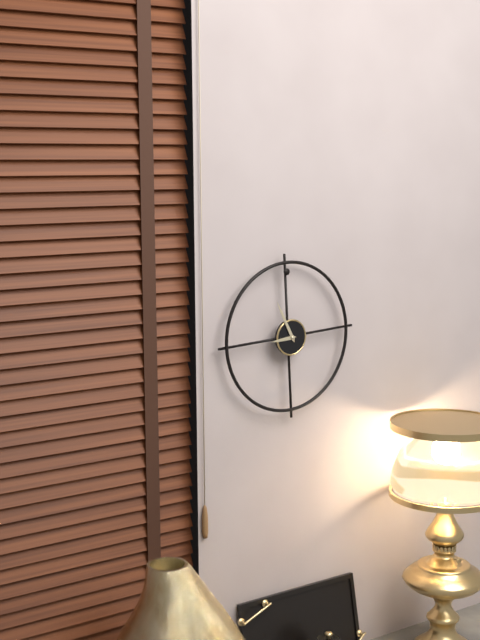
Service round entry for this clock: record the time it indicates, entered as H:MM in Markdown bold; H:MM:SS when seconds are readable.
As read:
**8:56**
